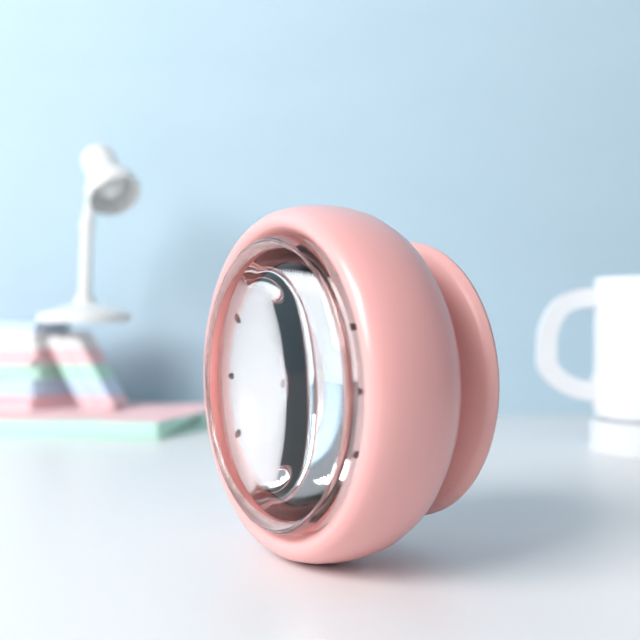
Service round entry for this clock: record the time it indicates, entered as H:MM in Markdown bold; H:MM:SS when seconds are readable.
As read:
**2:23**
